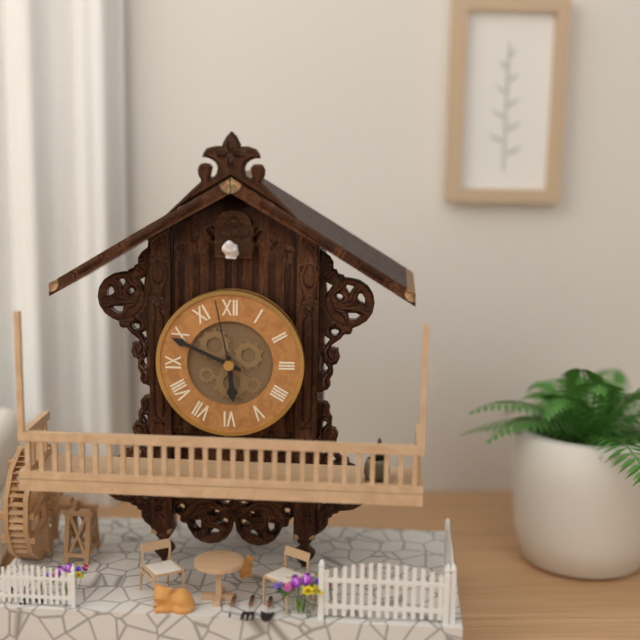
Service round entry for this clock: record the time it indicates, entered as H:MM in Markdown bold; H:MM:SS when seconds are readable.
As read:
**5:49:58**
